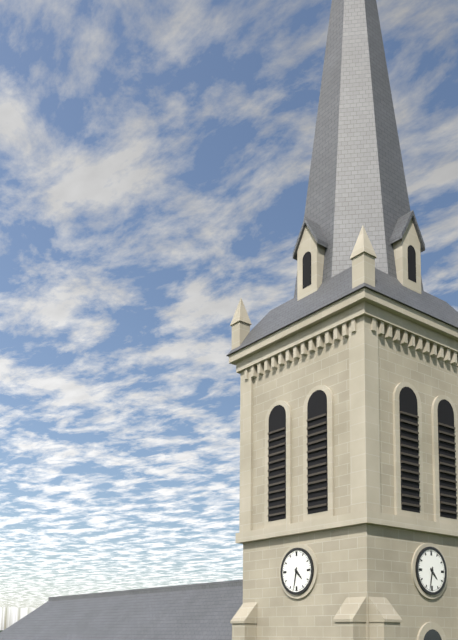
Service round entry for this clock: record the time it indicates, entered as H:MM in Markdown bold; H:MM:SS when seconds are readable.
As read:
**4:32**
